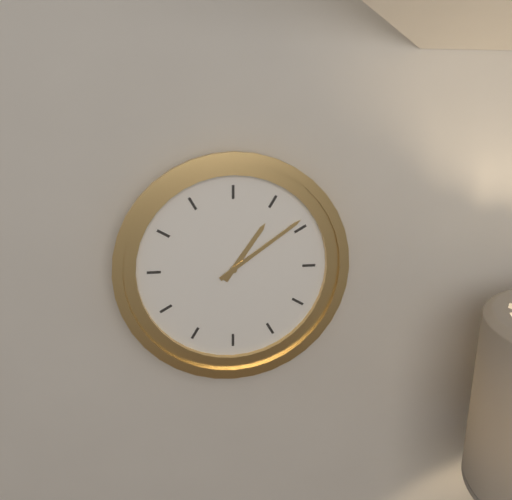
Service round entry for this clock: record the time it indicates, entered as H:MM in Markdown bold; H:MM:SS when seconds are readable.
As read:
**1:09**
